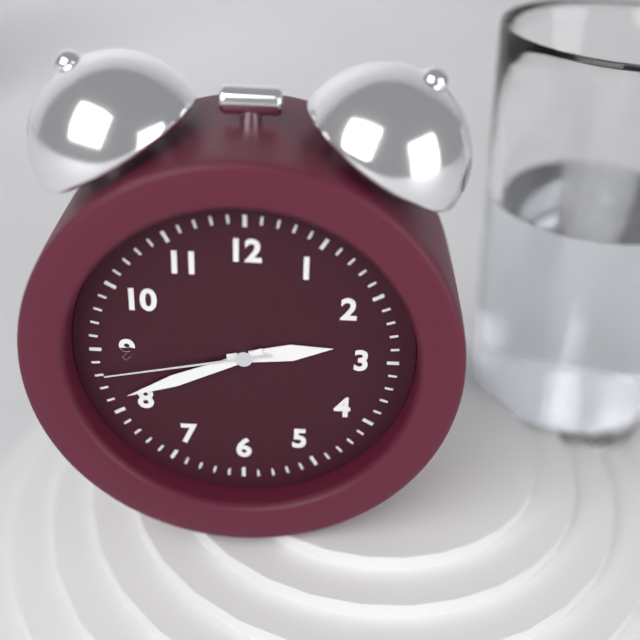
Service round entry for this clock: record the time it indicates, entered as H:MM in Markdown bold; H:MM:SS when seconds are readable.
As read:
**2:41:43**
